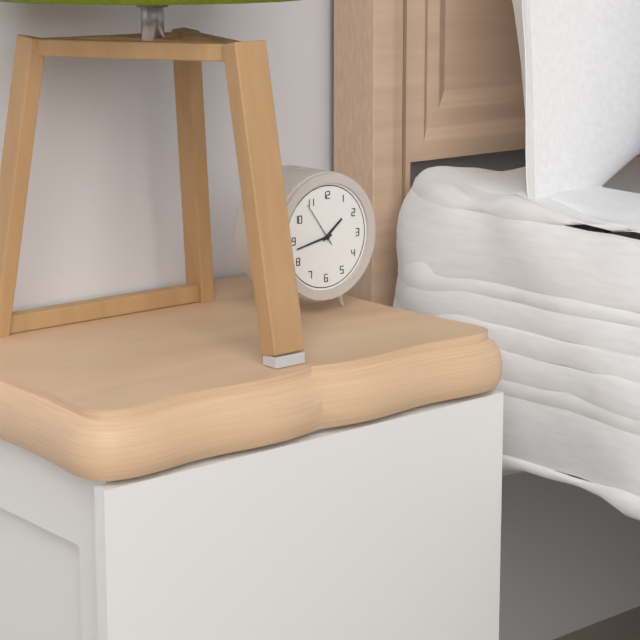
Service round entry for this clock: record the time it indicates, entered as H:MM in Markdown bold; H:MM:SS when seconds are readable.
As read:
**1:43**
